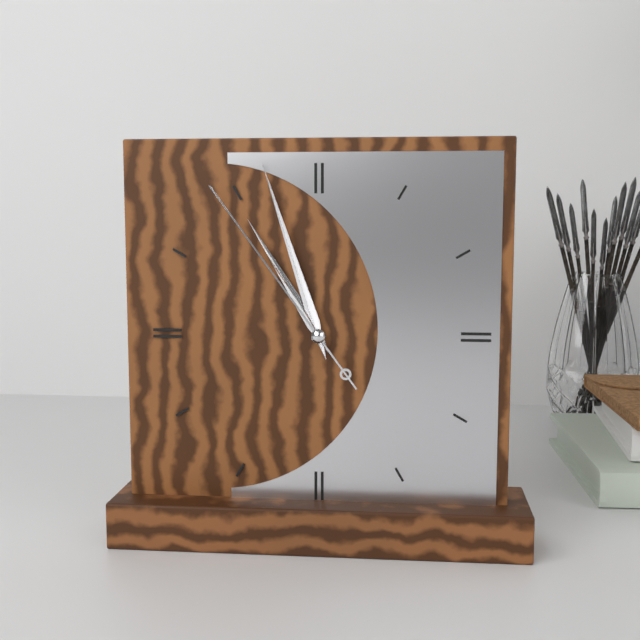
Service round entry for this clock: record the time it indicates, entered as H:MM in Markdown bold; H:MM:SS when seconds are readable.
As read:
**10:57:54**
